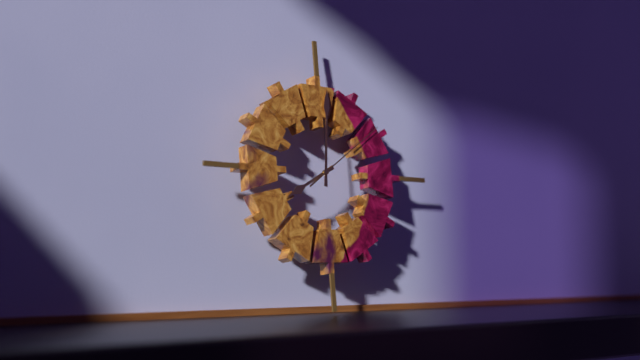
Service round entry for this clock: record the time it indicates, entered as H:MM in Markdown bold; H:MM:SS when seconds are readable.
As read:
**8:01:09**
